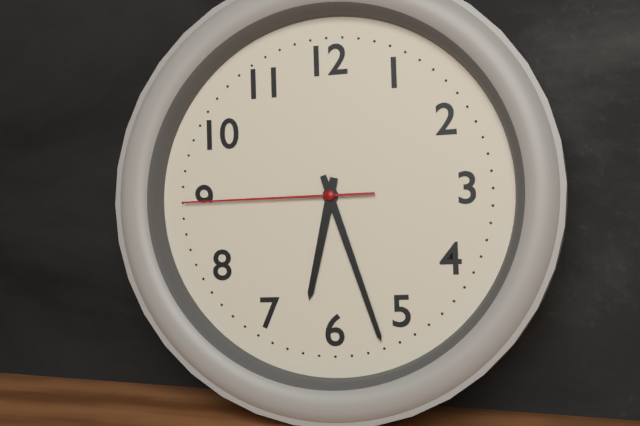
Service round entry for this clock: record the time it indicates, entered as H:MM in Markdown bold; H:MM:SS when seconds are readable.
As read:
**6:27:45**
